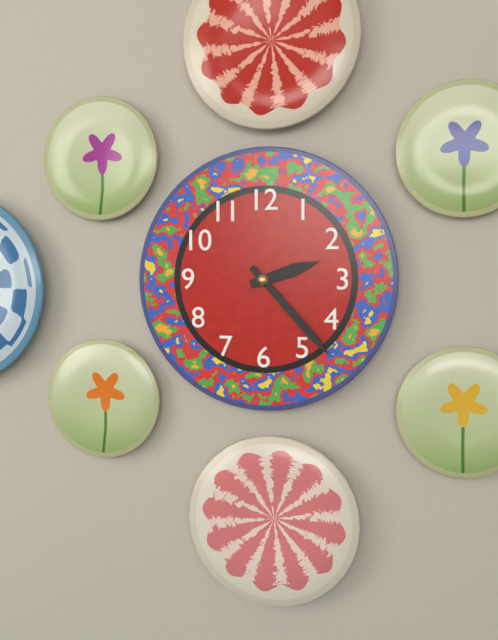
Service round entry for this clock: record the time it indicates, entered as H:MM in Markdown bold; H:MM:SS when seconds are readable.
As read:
**2:23**
